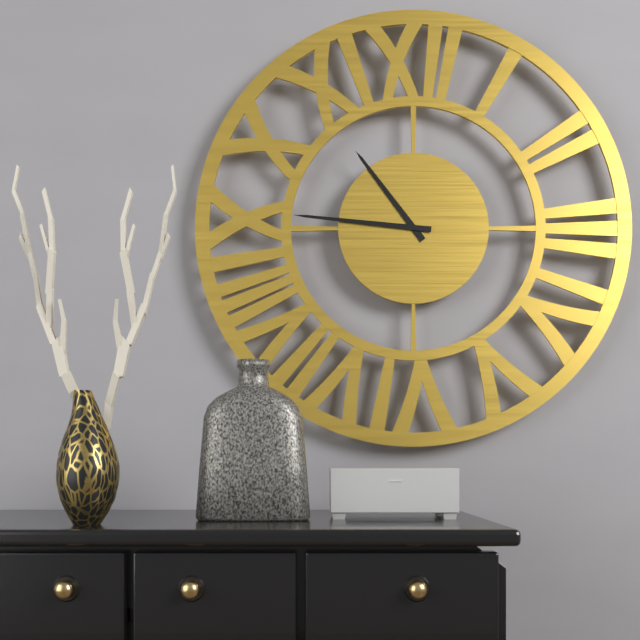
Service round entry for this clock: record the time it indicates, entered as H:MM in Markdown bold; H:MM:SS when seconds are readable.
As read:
**10:46**
